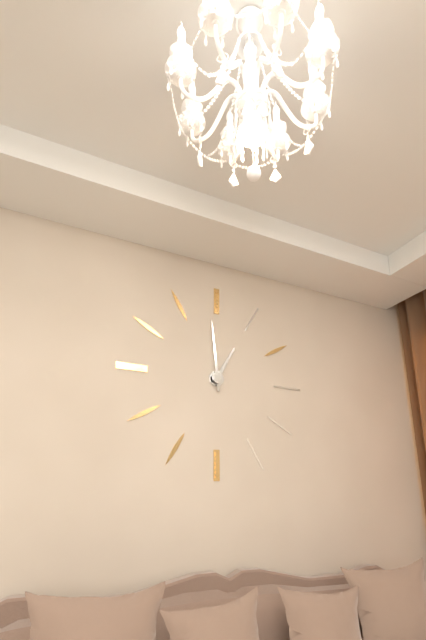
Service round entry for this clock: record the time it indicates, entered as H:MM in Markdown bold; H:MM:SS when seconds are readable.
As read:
**12:59**
